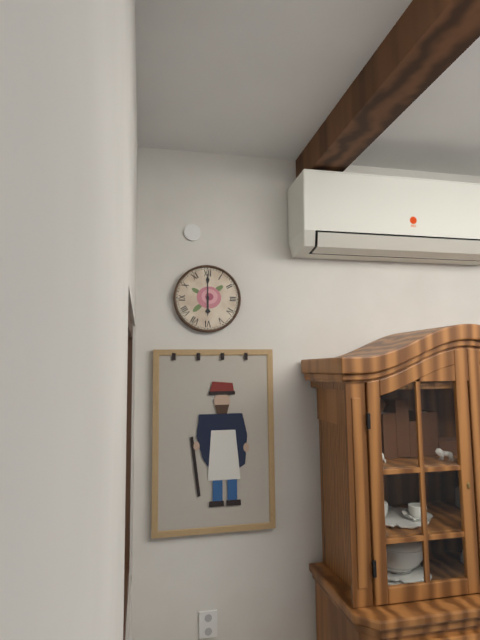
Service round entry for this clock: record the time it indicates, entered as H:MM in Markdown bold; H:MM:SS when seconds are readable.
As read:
**6:00**
